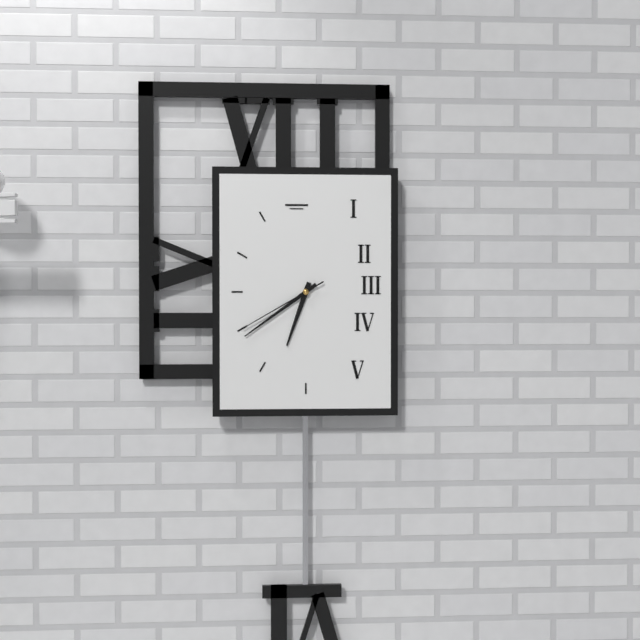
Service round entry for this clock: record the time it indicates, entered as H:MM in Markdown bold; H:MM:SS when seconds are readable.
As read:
**6:39:40**
